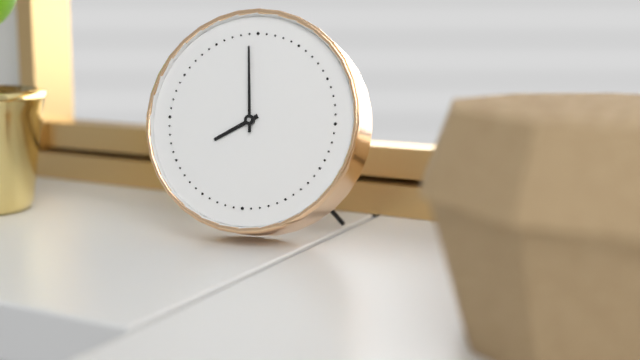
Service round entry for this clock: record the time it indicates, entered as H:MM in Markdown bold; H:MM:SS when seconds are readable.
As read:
**7:59**
